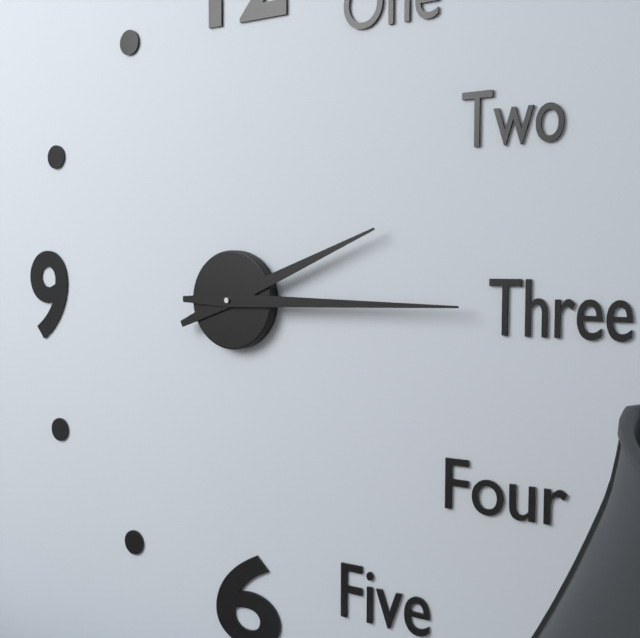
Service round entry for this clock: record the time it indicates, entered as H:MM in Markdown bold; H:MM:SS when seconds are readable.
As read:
**2:15**
